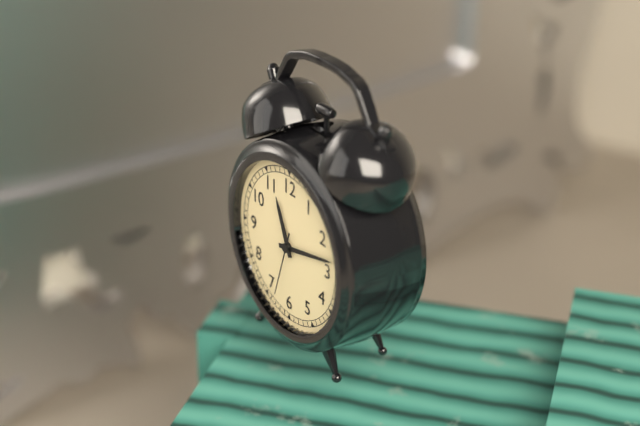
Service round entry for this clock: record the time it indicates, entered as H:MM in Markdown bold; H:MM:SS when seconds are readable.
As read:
**11:13:33**
